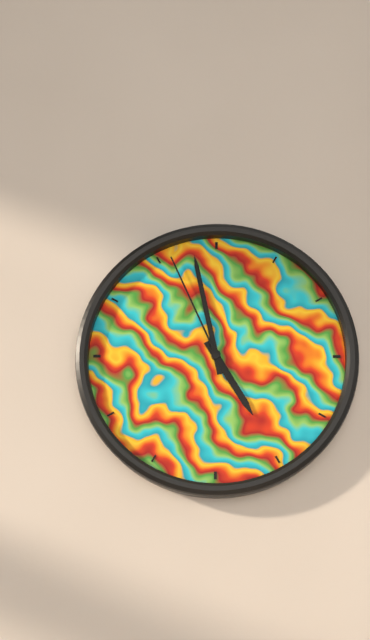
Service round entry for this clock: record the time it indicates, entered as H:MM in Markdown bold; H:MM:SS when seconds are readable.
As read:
**4:58:56**
